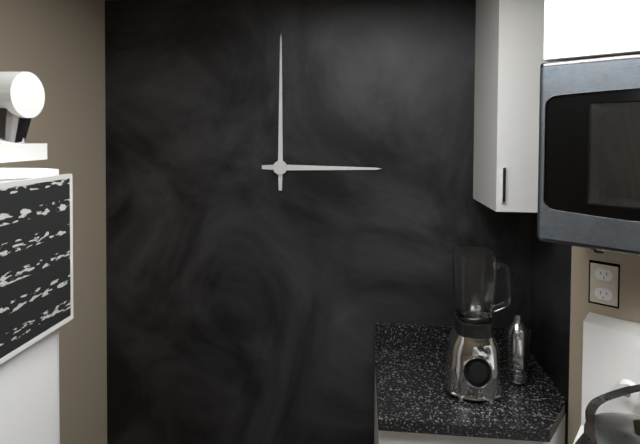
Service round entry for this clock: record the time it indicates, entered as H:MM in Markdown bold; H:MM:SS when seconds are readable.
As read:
**3:00**
